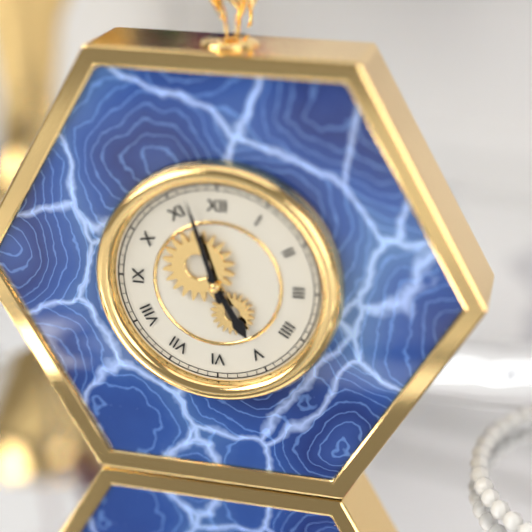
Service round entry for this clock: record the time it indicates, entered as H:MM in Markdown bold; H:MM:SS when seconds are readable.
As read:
**4:57**
